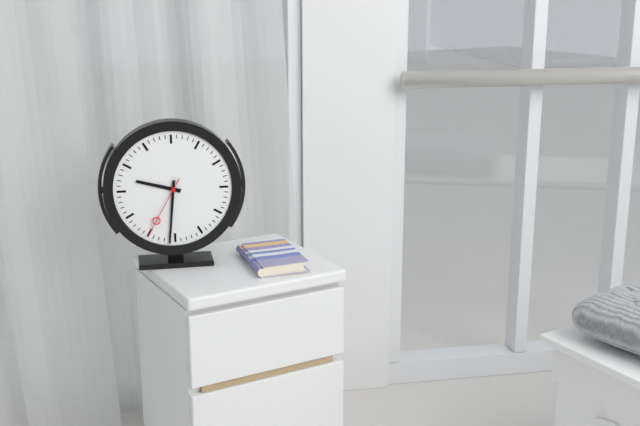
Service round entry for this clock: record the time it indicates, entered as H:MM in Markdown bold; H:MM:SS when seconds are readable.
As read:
**9:31:35**
